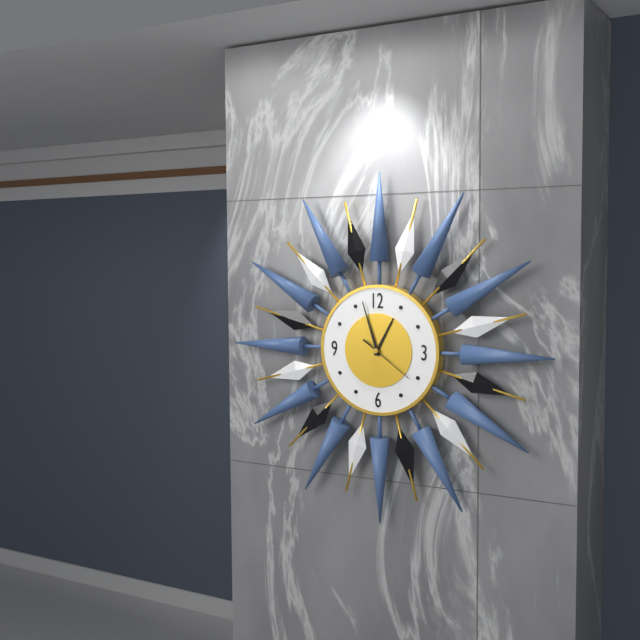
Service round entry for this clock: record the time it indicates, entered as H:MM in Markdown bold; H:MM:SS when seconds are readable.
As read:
**12:57:21**
